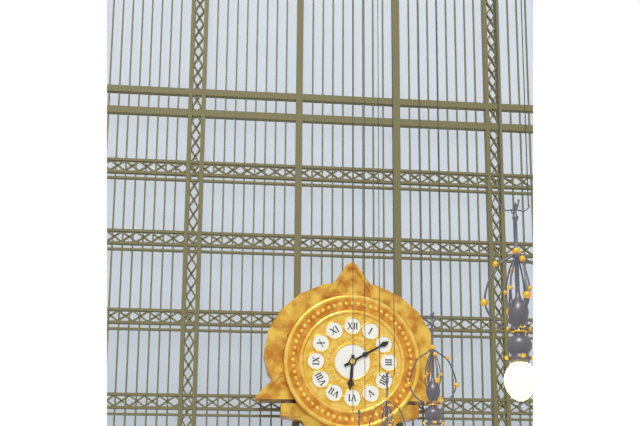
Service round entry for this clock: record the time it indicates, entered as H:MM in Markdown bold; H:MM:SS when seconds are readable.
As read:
**6:10**
